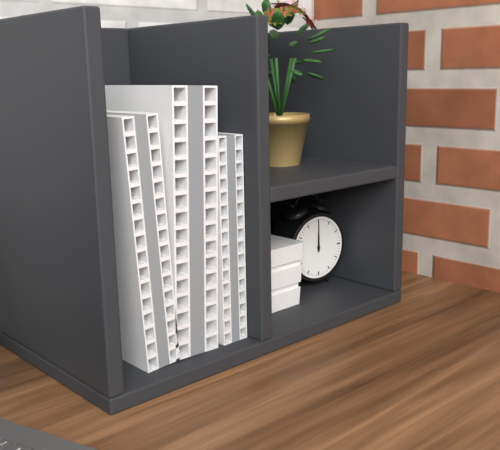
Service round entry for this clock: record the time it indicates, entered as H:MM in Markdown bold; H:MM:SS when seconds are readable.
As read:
**12:00**
